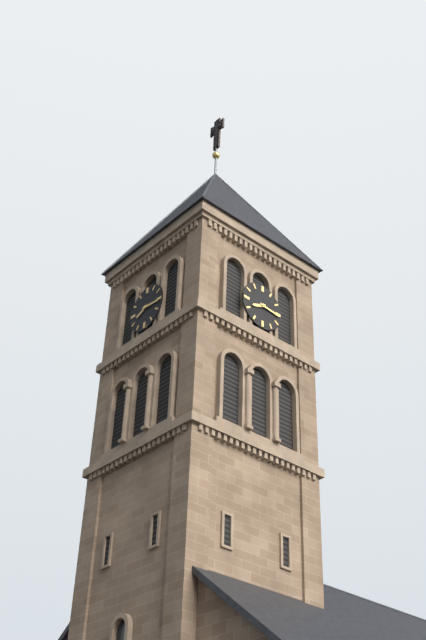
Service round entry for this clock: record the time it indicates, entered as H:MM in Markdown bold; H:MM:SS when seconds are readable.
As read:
**8:16**
